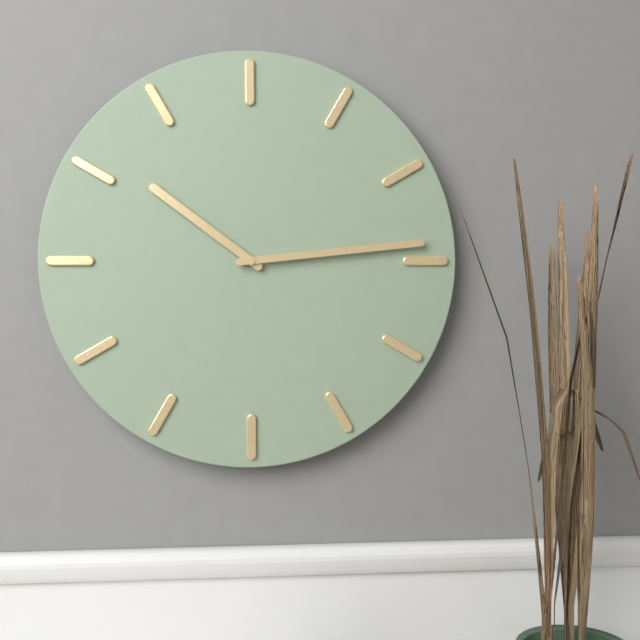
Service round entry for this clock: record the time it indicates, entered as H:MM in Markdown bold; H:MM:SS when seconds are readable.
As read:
**10:14**
